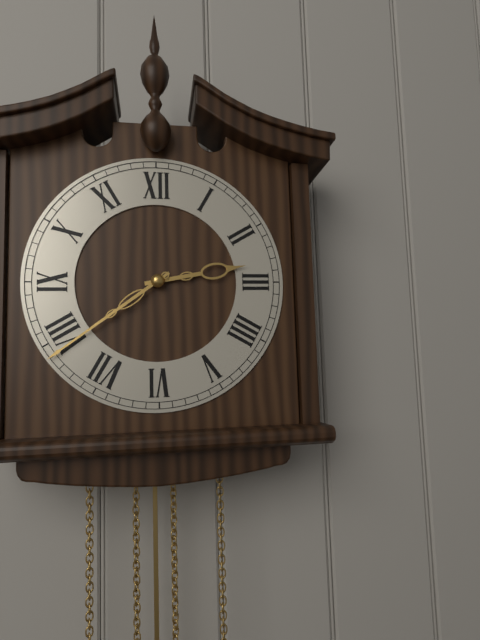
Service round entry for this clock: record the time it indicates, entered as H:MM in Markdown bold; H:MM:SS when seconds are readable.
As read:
**2:39**
